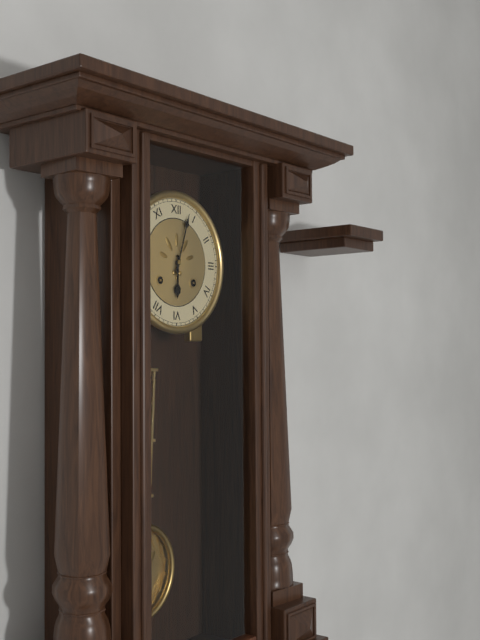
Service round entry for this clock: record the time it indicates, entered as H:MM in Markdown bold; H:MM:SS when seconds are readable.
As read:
**6:03**
